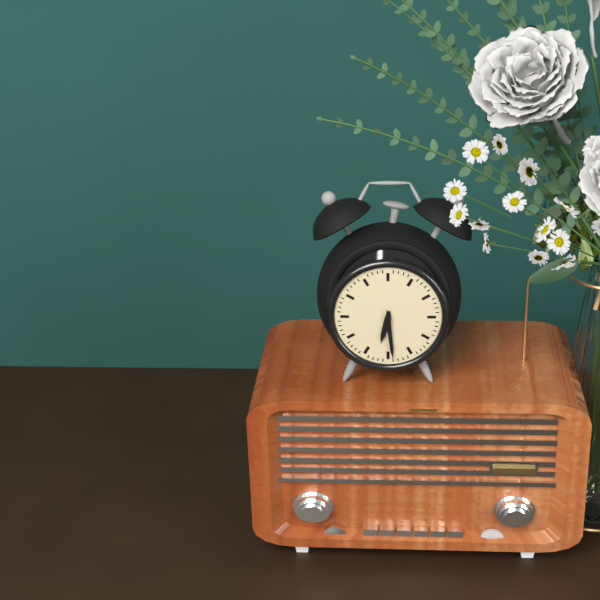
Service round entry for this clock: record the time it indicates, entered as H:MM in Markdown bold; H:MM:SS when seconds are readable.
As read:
**6:29**
